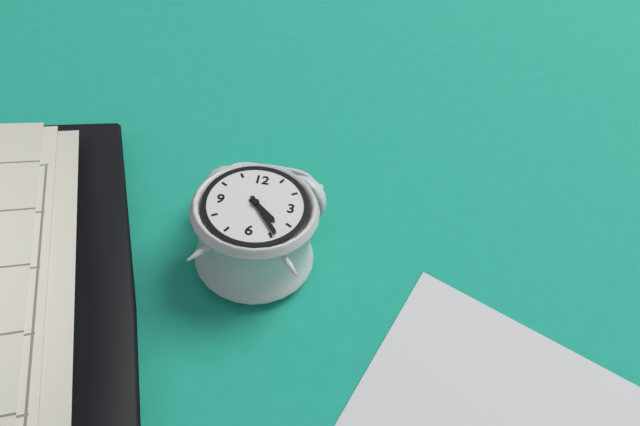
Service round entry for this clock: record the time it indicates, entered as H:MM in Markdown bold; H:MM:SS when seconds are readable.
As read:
**4:24**
